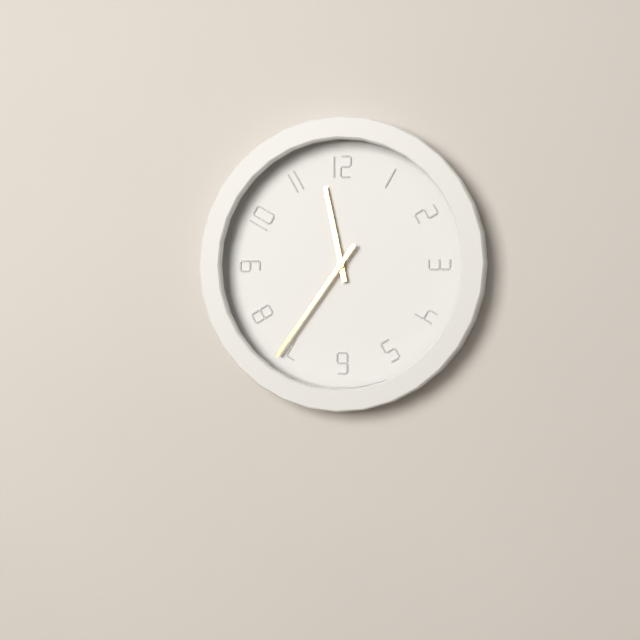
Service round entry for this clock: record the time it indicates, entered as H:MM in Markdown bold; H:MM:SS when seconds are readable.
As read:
**11:36**
